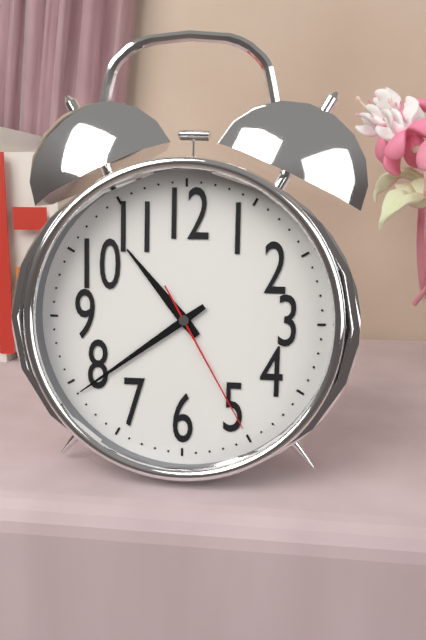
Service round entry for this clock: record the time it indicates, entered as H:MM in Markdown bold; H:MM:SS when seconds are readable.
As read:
**10:39:25**
